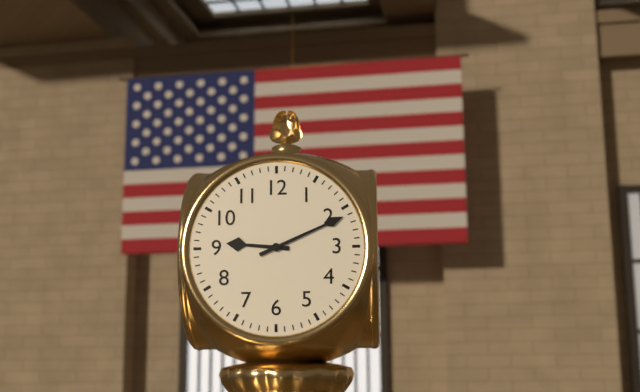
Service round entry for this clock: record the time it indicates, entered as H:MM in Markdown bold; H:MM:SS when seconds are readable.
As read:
**9:11**
